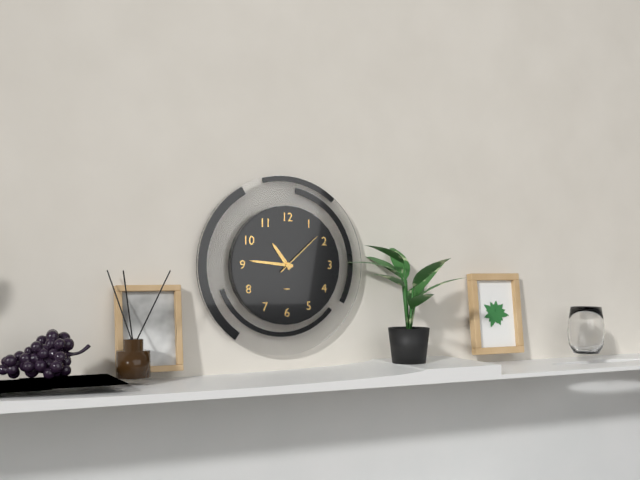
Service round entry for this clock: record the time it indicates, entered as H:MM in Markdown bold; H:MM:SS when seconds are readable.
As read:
**10:46:08**
